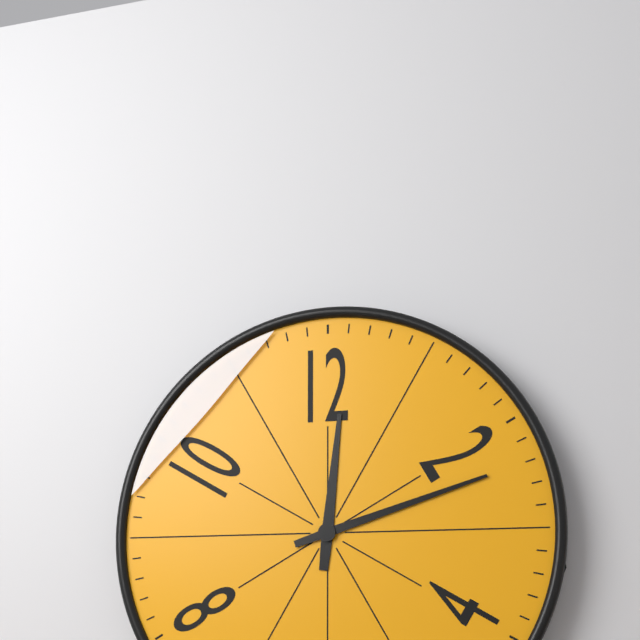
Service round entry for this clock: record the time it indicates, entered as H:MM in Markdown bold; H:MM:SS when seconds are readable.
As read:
**12:12**
